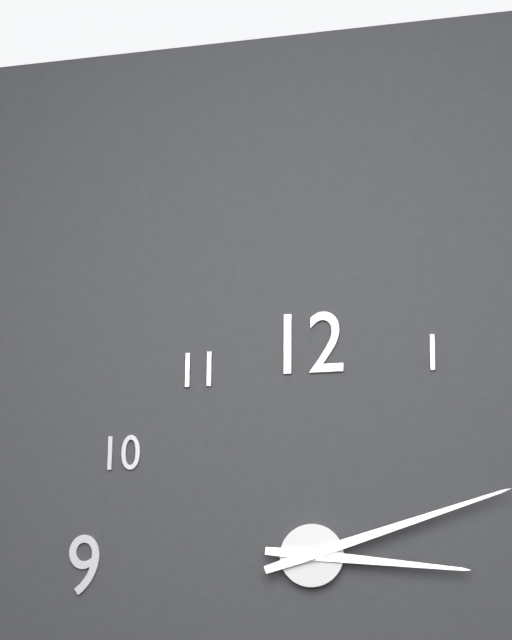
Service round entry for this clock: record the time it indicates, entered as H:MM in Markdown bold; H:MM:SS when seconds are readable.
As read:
**3:12**
